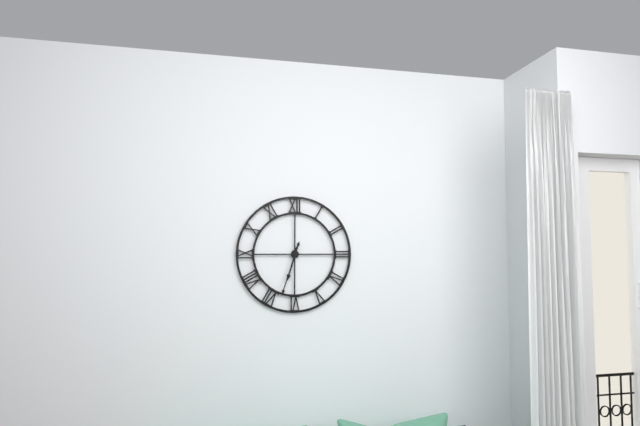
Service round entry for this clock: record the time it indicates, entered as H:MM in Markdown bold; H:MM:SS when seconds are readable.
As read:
**6:33**
